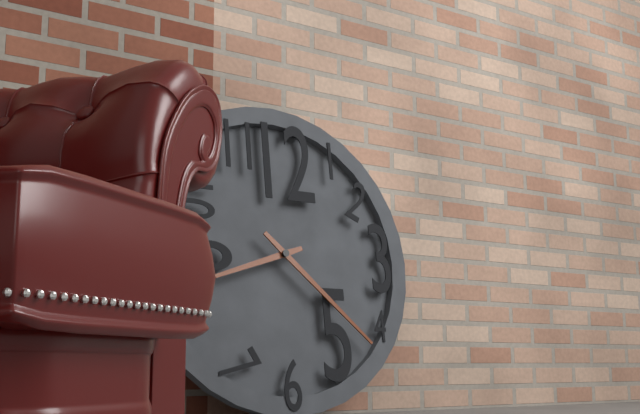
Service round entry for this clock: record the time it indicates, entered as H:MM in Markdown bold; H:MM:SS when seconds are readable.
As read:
**8:22**
